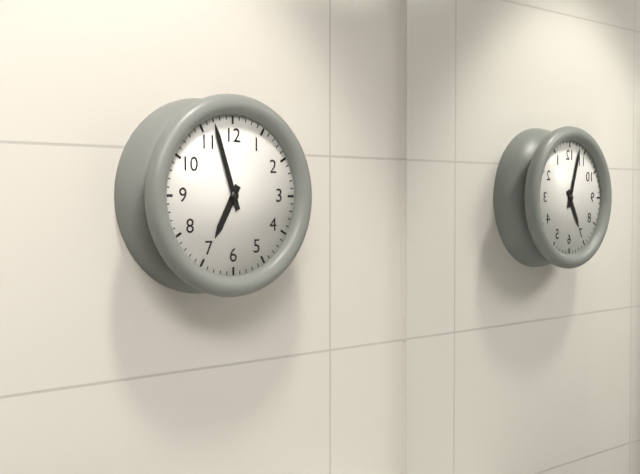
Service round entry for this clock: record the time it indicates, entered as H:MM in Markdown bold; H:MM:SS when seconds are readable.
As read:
**6:57**
